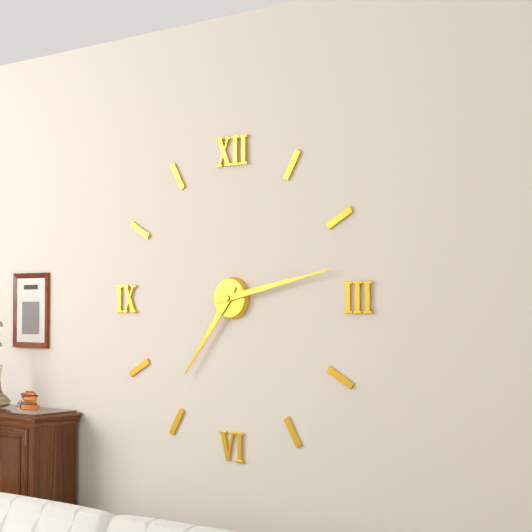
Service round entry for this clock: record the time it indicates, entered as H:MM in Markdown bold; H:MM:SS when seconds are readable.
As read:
**7:13**
